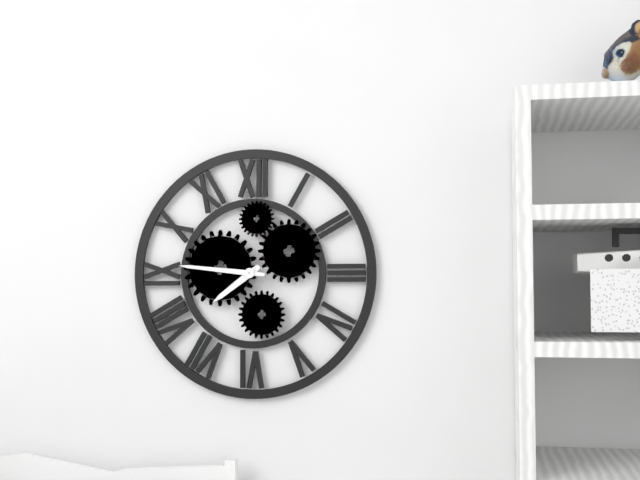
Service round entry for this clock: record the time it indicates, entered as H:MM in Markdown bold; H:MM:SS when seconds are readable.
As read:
**7:46**
